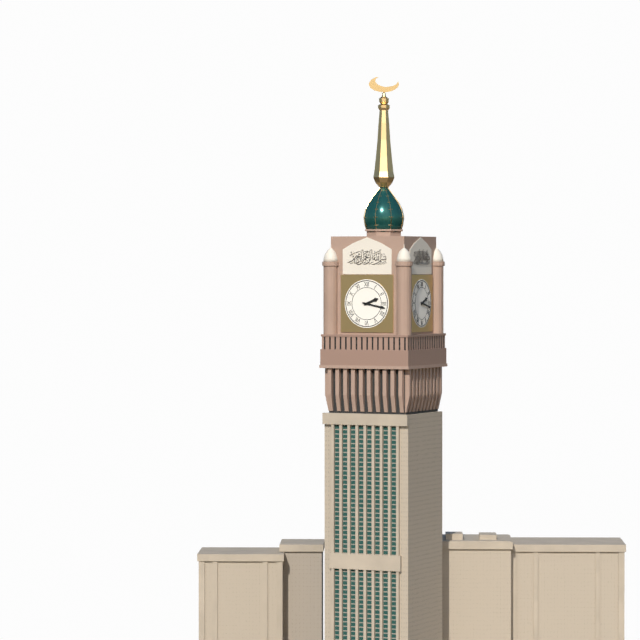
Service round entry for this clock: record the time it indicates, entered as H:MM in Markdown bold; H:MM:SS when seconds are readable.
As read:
**2:17**
